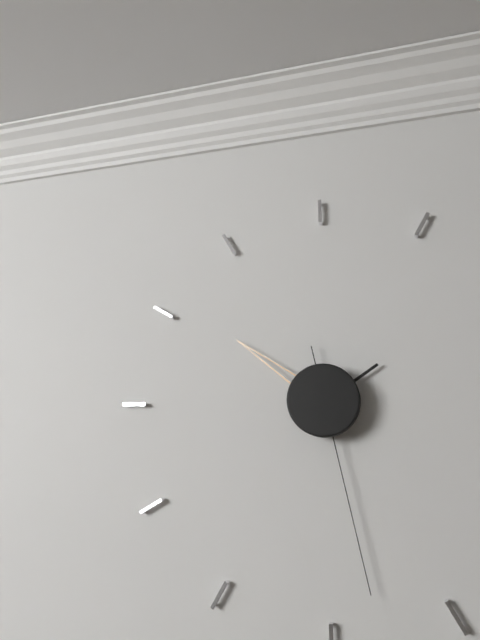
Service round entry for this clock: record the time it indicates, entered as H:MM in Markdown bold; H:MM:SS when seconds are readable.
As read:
**1:51:28**
